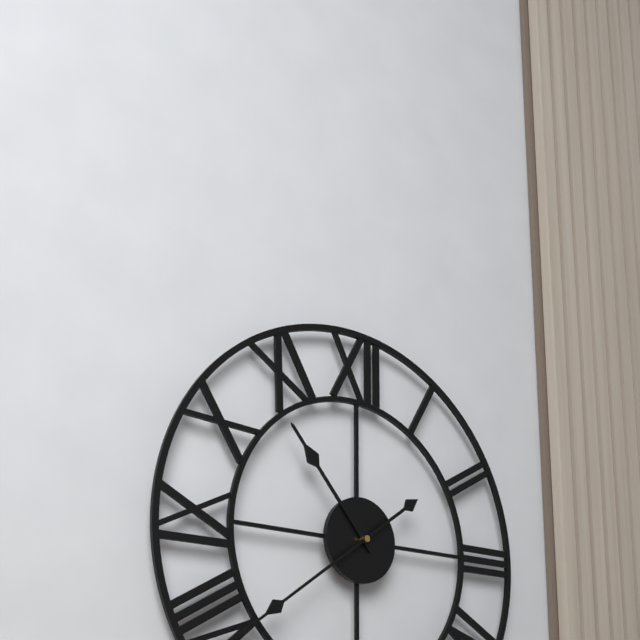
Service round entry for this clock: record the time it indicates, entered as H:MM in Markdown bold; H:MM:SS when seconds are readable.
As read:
**10:39**
